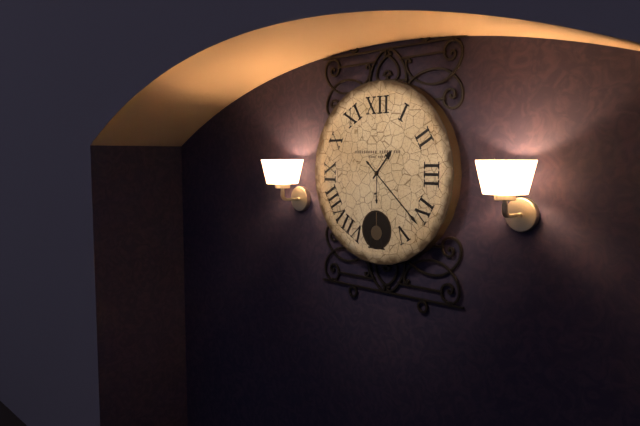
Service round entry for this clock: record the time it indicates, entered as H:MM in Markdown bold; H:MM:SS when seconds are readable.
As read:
**1:22**
